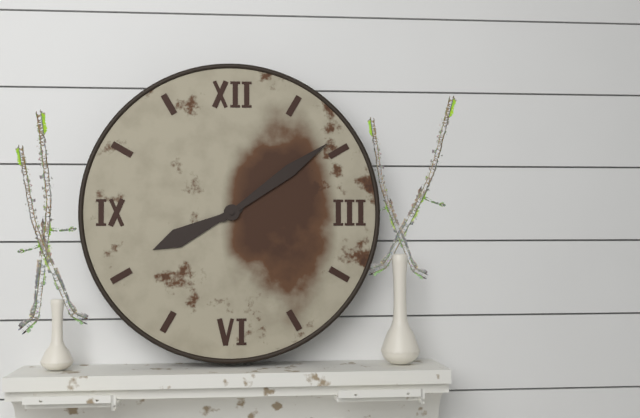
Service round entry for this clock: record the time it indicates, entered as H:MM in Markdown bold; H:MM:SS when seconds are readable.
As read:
**8:09**
